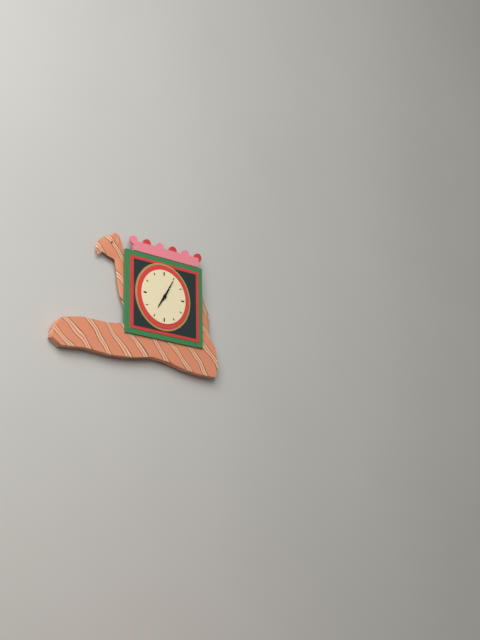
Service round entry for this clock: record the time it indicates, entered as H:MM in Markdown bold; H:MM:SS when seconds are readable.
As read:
**7:05**
